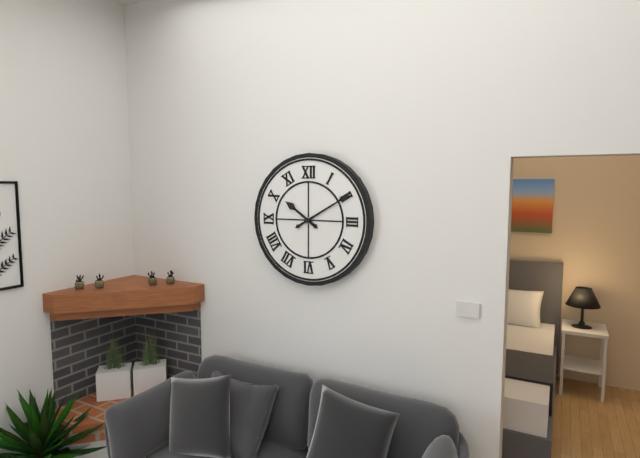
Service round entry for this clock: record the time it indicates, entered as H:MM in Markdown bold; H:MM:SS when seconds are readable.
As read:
**10:10**
